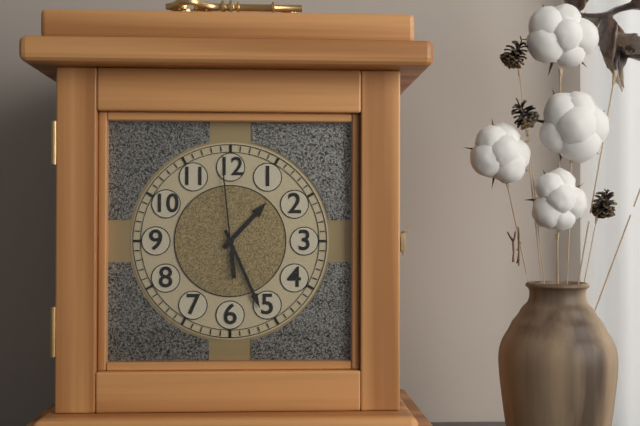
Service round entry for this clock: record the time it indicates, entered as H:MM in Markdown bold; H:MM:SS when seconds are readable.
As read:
**1:26:59**
